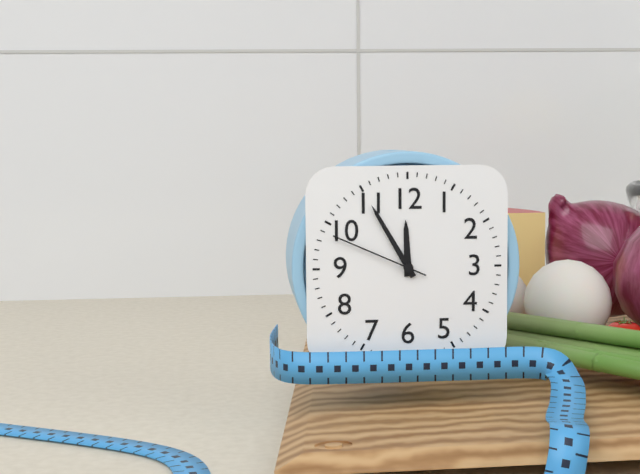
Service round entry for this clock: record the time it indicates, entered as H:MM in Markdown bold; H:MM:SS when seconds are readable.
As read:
**11:55:49**
